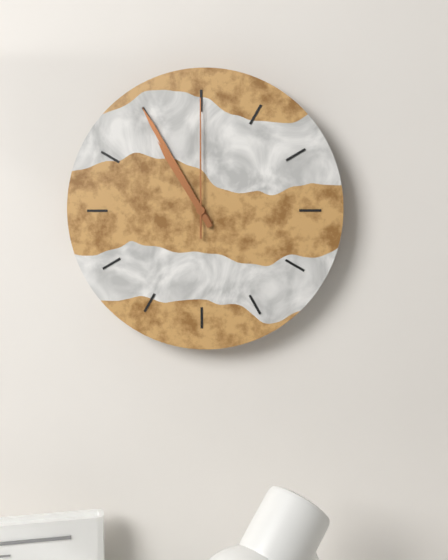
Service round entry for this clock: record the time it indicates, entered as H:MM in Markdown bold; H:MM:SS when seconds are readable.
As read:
**10:55:00**
